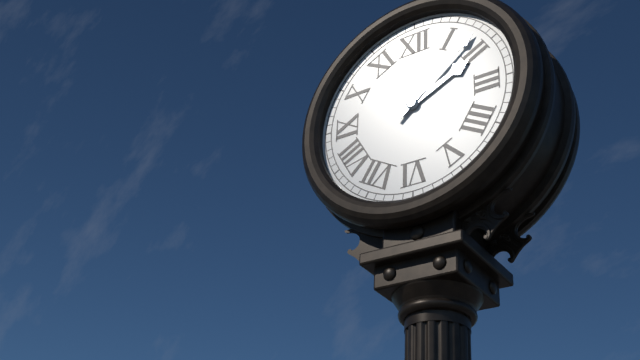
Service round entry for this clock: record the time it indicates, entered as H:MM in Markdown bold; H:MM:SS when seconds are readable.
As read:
**2:08**
